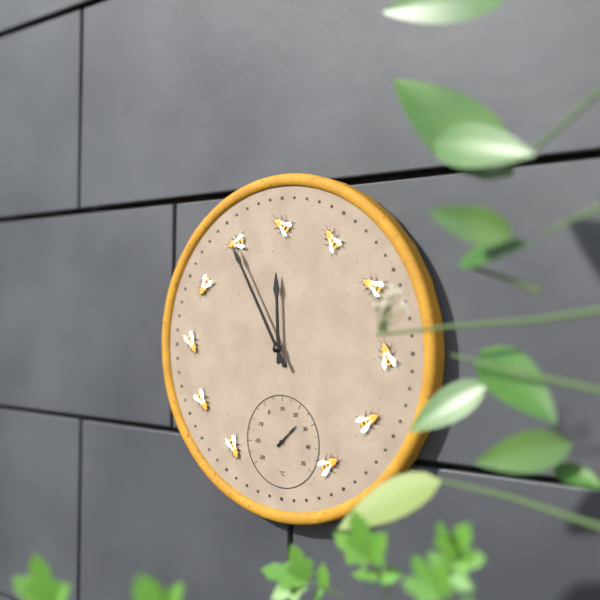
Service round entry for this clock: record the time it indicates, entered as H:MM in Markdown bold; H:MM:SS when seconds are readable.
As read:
**11:55**
